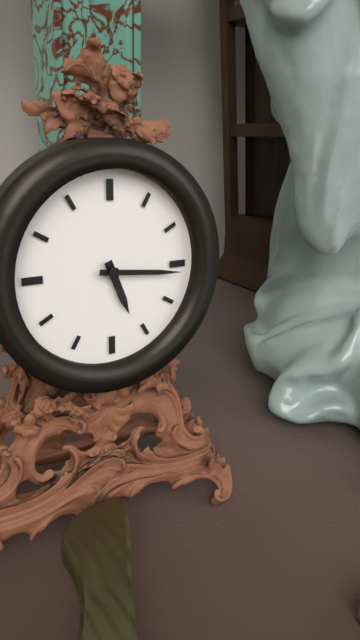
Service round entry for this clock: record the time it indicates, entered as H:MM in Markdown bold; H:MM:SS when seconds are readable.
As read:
**5:16**
